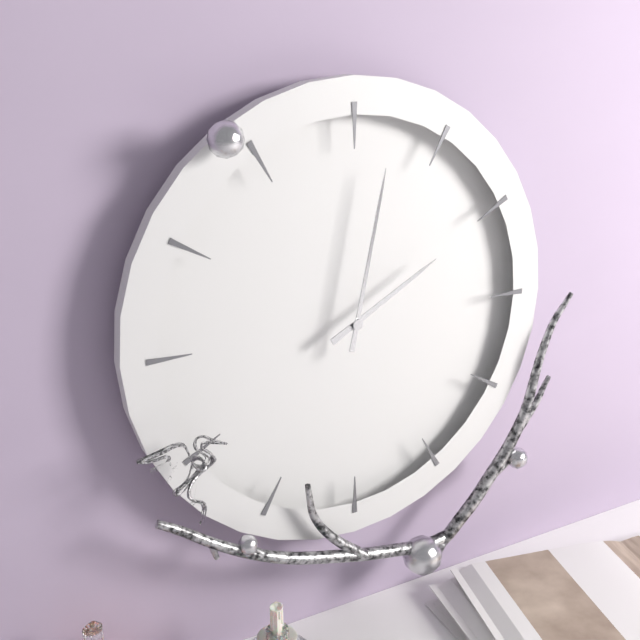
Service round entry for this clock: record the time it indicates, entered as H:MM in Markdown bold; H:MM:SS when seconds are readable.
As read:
**2:02**
